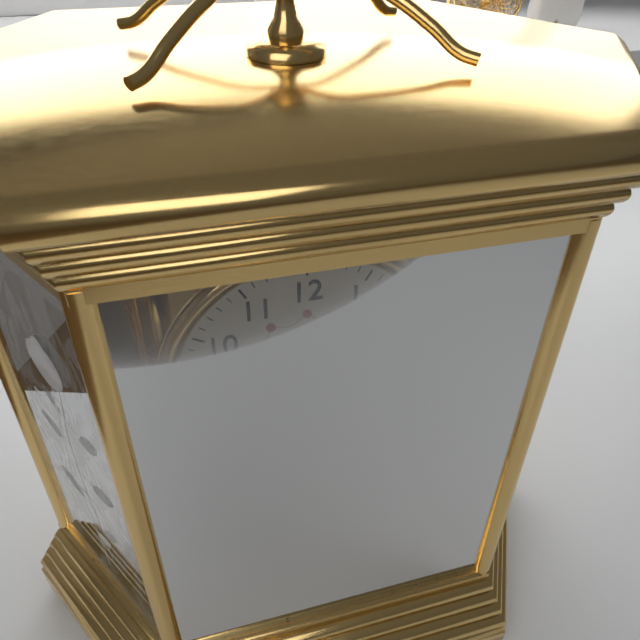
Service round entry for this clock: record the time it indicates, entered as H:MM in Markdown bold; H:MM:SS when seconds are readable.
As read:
**9:30**
